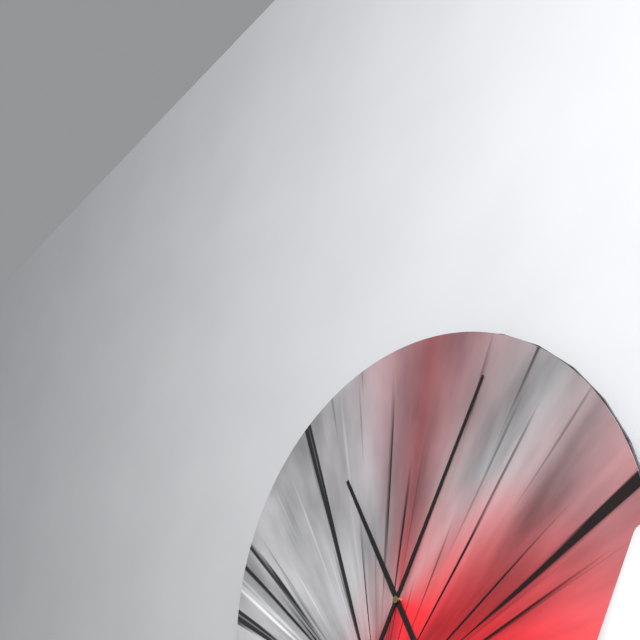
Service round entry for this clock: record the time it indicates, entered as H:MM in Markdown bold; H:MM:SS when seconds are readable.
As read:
**11:05**
